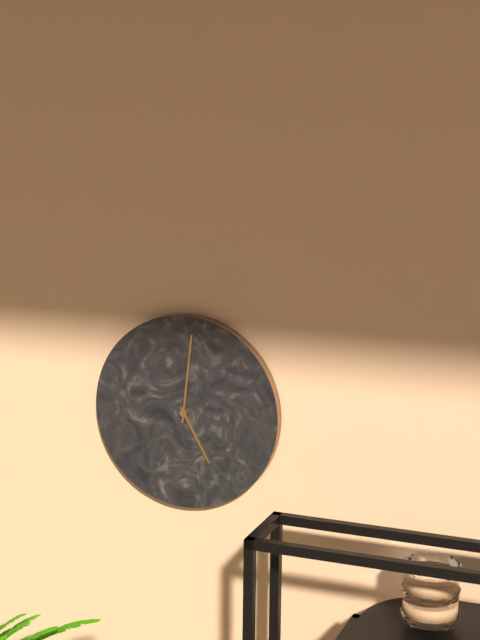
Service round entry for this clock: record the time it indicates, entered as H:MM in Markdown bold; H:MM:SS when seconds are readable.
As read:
**5:01**
